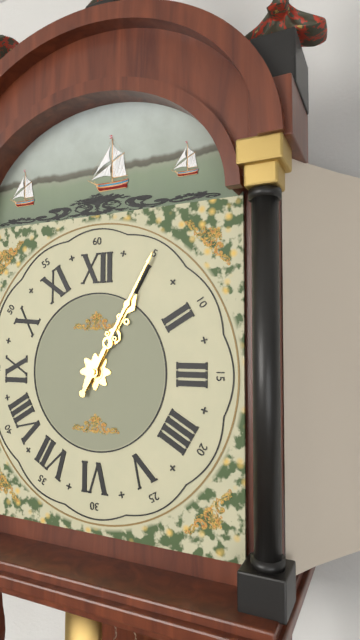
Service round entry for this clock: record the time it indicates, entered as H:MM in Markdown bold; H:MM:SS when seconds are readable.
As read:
**1:05**
